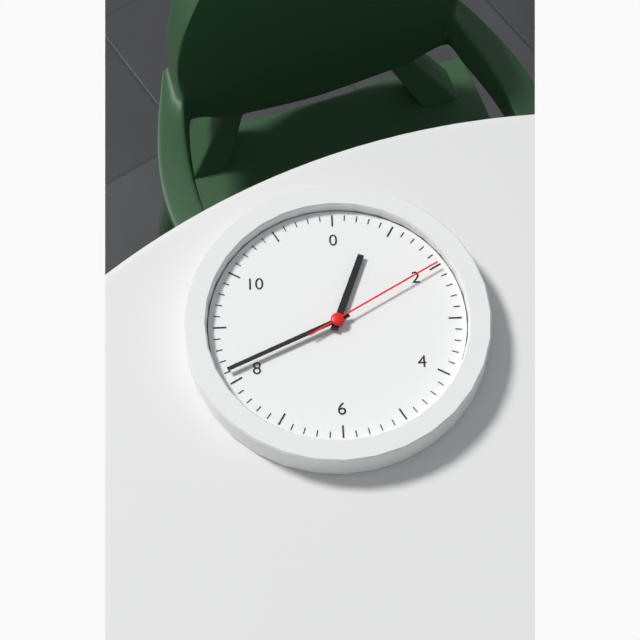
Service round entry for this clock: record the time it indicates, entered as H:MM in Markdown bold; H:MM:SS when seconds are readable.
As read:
**12:41:10**
